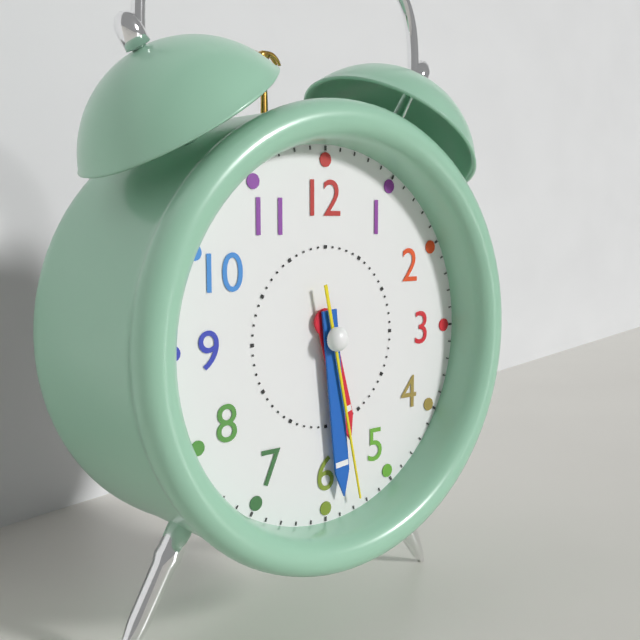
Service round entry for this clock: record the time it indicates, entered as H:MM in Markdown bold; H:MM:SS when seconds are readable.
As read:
**5:29:28**
